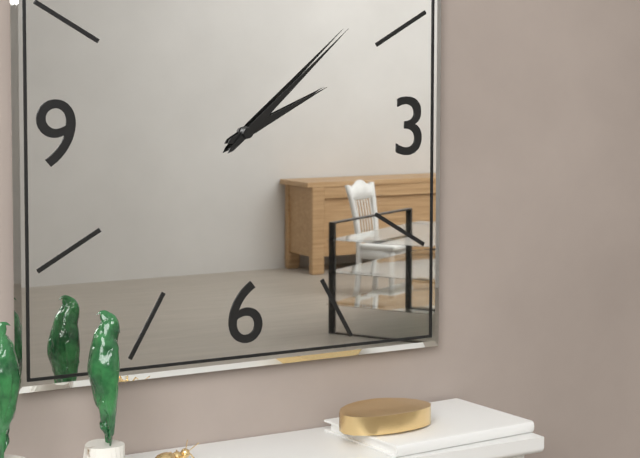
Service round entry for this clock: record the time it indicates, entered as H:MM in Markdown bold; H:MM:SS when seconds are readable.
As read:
**2:08**
